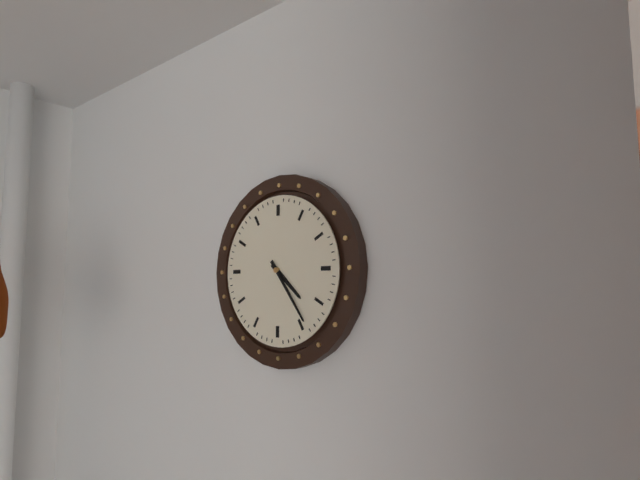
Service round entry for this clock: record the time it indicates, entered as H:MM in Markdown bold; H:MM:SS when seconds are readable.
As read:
**4:24**
